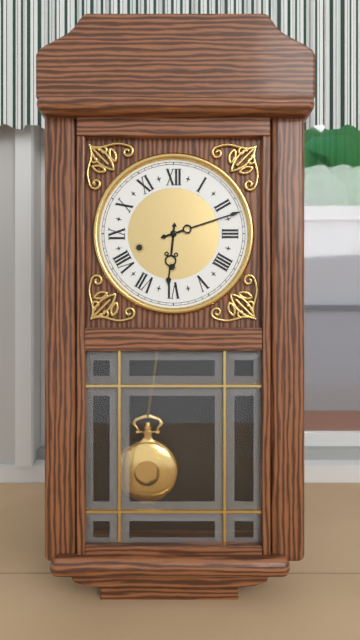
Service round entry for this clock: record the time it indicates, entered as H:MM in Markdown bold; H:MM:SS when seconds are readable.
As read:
**6:12**
